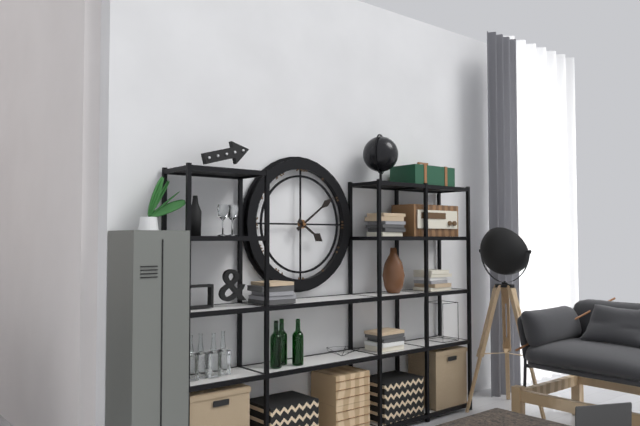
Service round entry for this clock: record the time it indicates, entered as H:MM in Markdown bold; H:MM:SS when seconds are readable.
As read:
**4:09**
